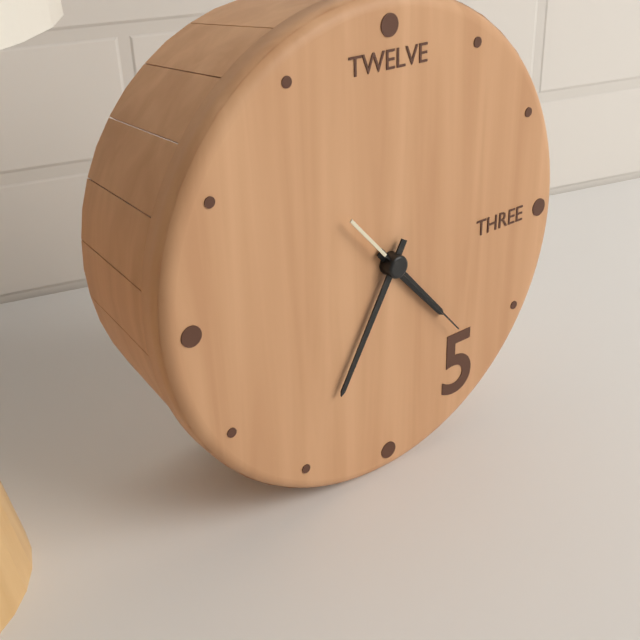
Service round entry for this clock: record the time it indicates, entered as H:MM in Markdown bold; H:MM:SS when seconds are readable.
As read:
**4:35:23**
